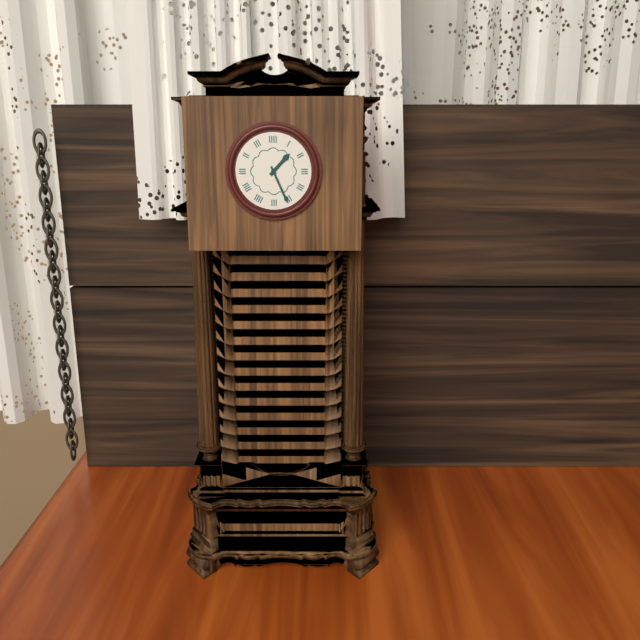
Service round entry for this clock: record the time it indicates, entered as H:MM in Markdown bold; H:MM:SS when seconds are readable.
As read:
**1:26**
